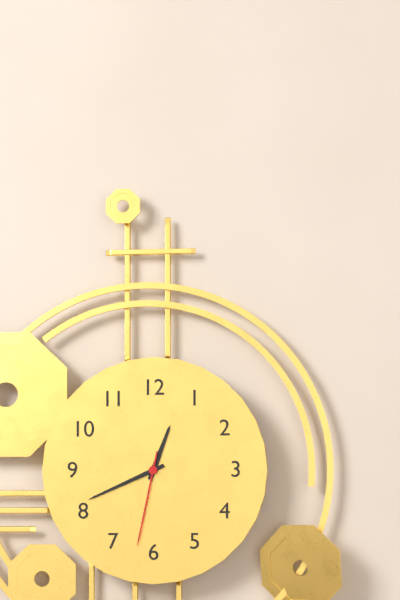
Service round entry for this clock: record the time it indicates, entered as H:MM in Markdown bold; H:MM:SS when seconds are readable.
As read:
**12:41:32**
